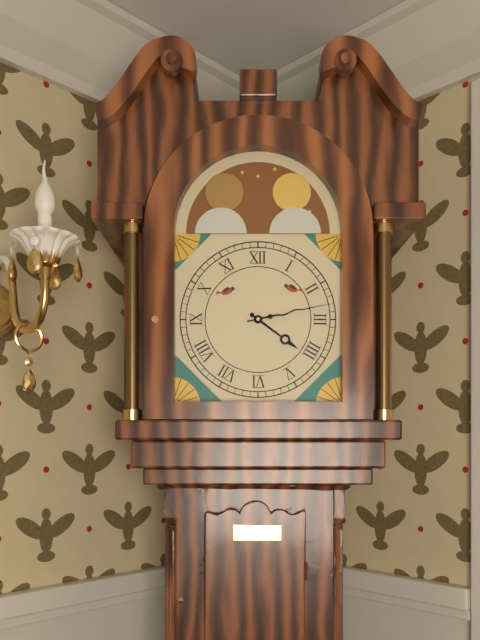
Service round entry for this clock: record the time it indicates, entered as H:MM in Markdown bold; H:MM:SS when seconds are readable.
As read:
**4:13**
